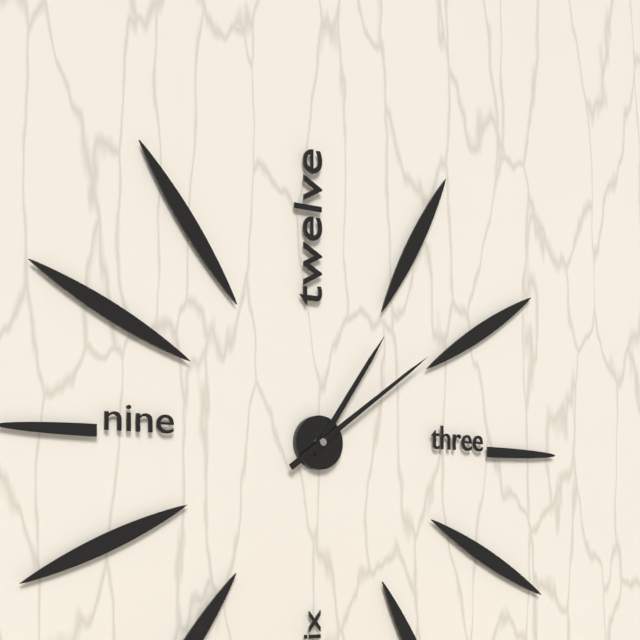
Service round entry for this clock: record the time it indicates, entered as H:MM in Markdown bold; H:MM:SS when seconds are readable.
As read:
**1:09**
